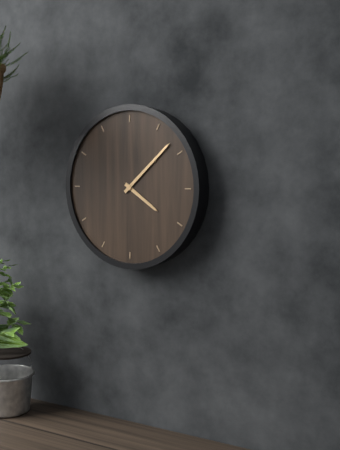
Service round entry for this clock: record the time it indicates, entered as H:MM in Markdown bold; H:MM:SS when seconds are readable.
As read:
**4:08**
